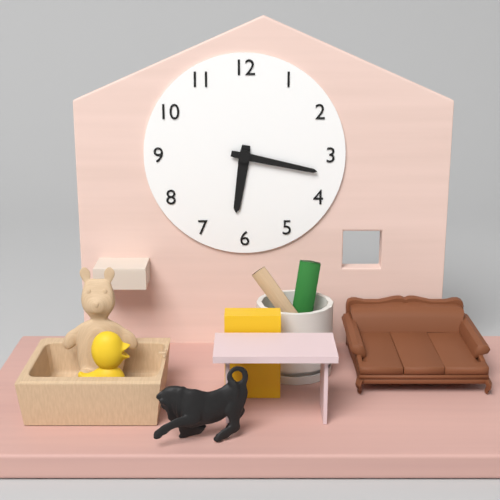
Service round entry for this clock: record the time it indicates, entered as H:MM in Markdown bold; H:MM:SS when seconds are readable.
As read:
**6:17**
